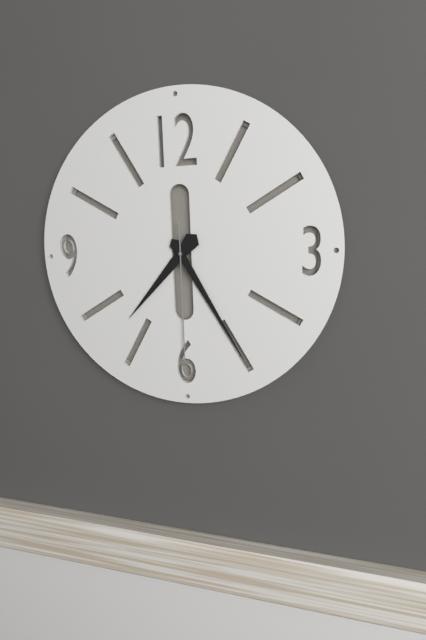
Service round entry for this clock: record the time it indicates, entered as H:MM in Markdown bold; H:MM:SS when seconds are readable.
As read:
**7:25:30**
